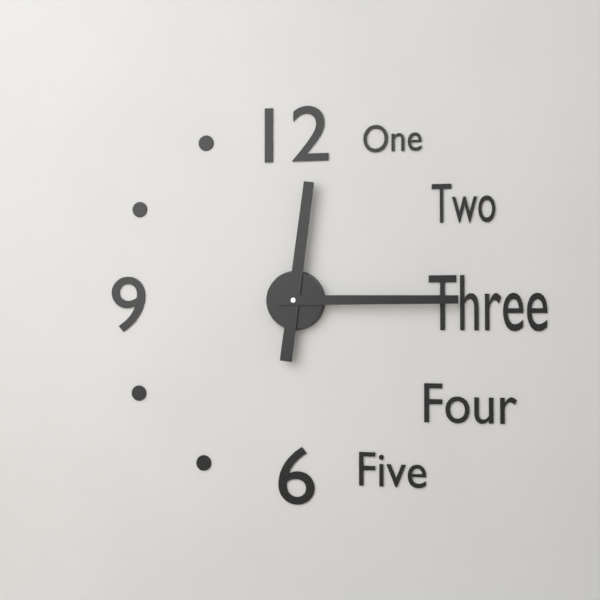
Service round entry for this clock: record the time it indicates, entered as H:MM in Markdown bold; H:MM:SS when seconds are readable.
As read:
**12:15**
